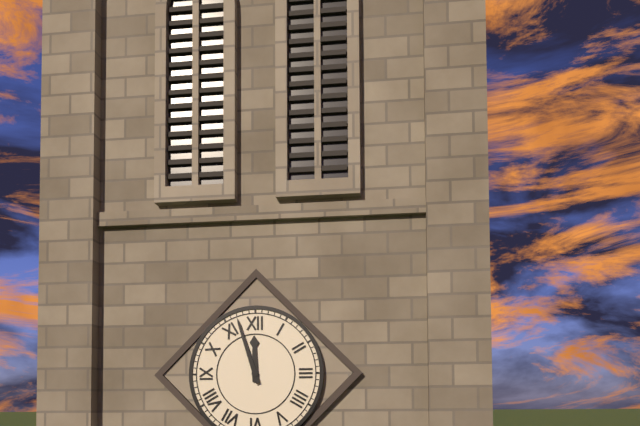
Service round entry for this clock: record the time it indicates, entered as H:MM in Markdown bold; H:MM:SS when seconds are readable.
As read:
**11:57**
